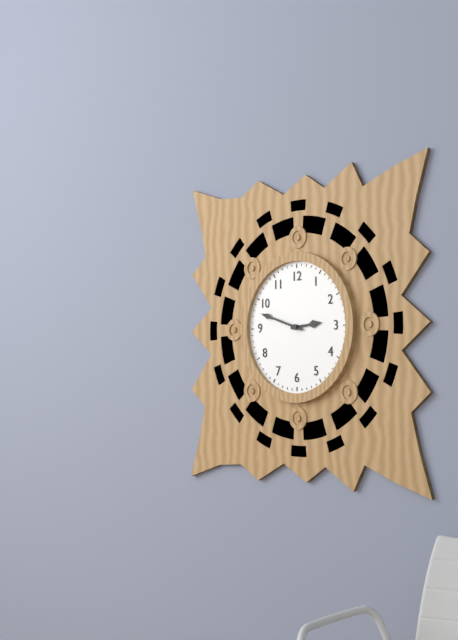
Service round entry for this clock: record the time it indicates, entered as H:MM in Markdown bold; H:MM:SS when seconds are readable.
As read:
**2:48**
